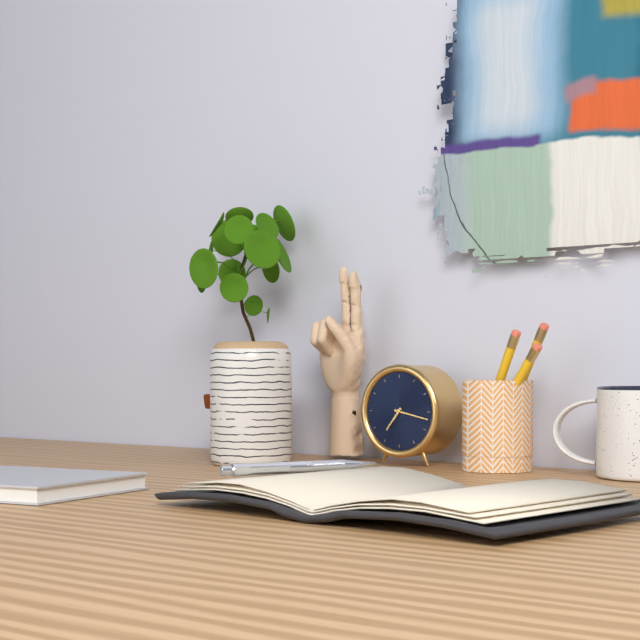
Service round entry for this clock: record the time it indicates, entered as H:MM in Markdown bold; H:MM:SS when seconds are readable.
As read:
**7:17**
